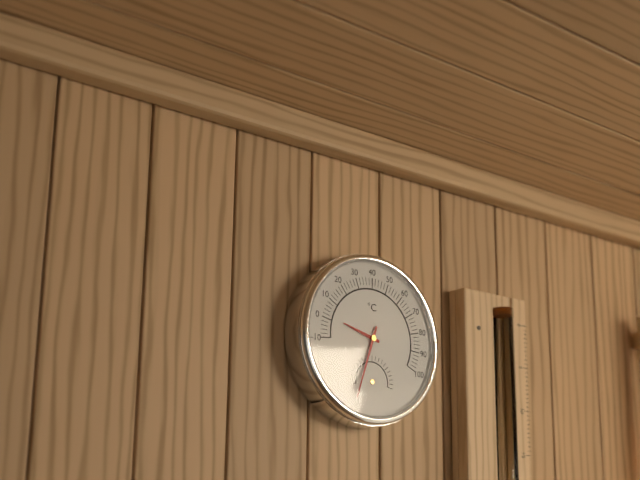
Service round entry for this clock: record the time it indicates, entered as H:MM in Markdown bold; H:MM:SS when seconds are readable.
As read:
**9:33**
